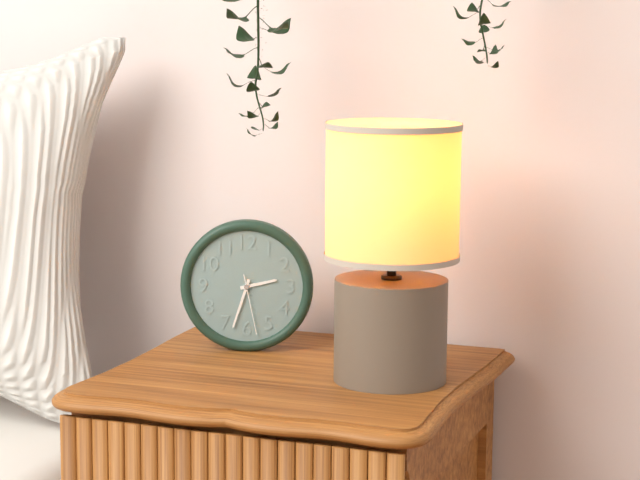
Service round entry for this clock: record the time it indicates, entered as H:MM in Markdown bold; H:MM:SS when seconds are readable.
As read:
**2:33:28**
